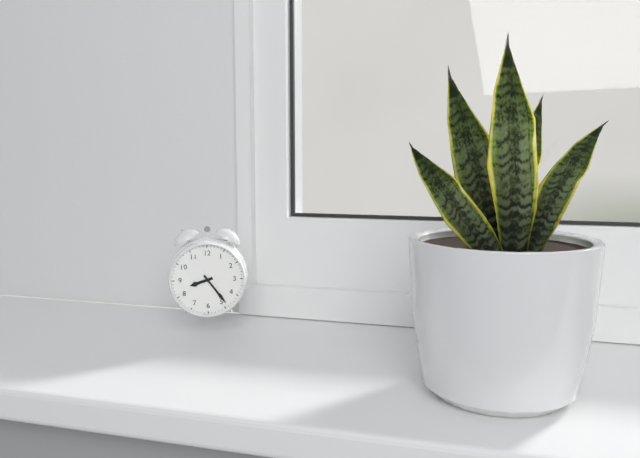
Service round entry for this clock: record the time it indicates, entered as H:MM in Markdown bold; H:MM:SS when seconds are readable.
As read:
**8:24**
